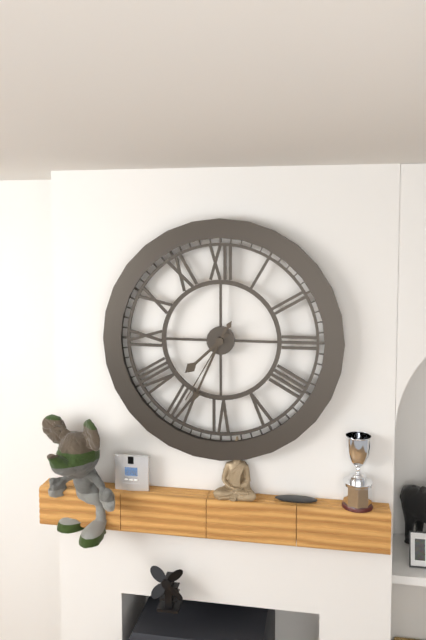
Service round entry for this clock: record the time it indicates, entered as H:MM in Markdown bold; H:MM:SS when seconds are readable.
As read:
**7:34:35**
